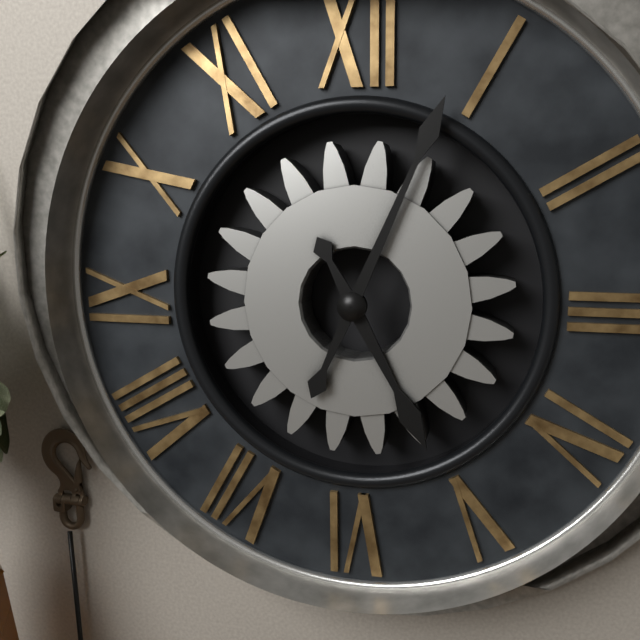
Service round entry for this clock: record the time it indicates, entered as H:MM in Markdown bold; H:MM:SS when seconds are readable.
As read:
**5:04**
